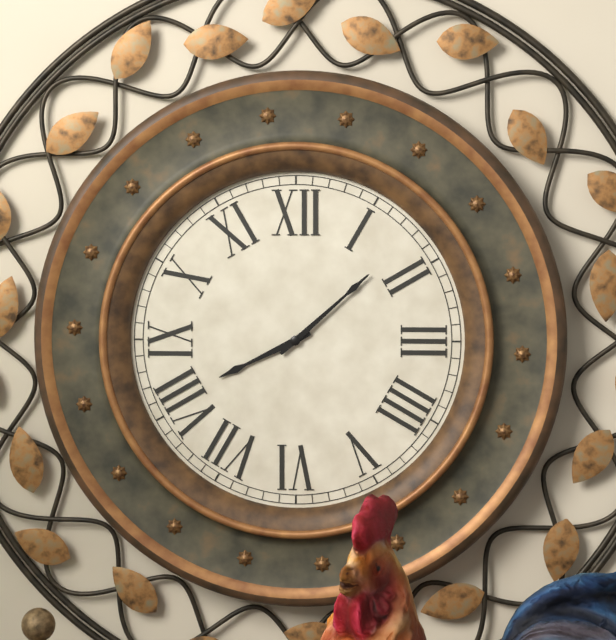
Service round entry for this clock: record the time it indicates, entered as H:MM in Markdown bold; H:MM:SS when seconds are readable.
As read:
**8:08**
